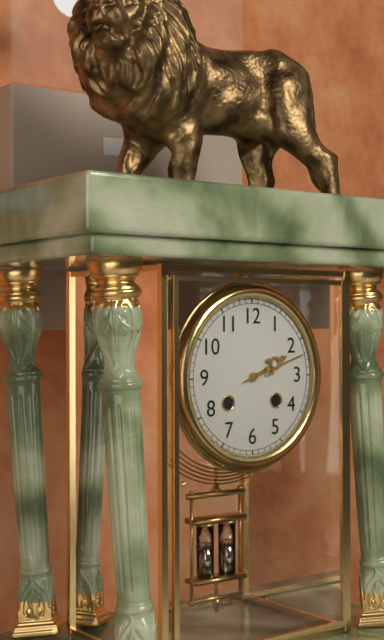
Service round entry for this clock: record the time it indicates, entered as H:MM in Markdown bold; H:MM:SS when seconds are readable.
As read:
**2:12**
